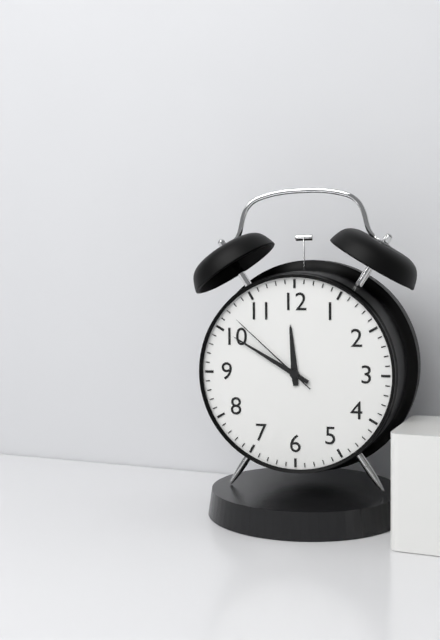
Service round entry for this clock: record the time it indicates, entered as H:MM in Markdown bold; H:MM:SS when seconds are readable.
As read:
**11:50:52**
